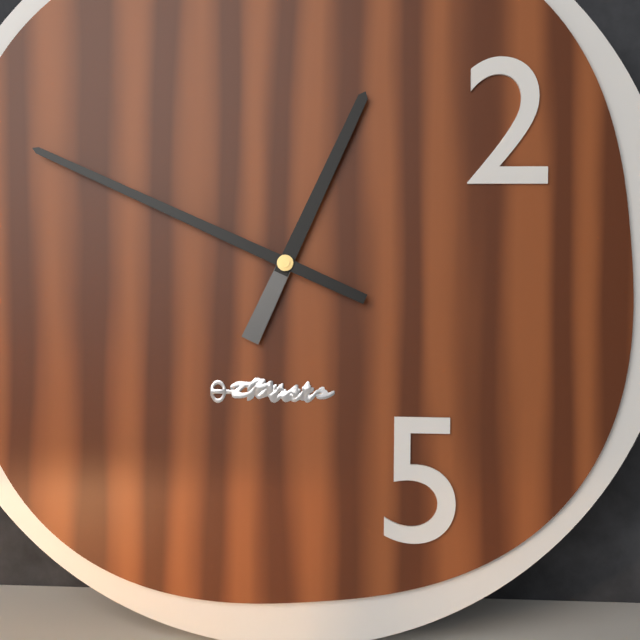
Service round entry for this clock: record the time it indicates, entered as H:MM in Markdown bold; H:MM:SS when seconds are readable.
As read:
**12:49**
